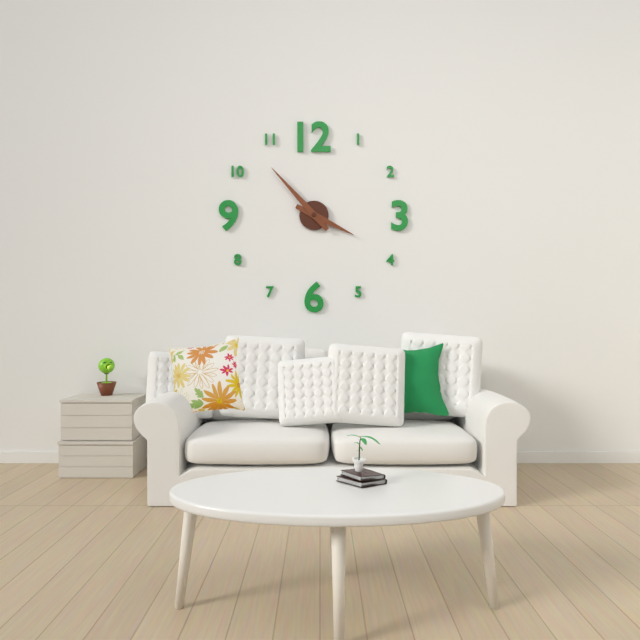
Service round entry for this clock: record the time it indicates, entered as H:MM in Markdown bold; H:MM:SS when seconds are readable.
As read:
**3:53**
